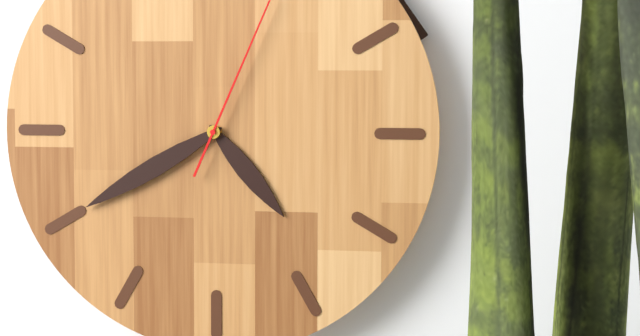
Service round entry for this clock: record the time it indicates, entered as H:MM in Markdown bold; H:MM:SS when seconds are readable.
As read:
**4:40**
